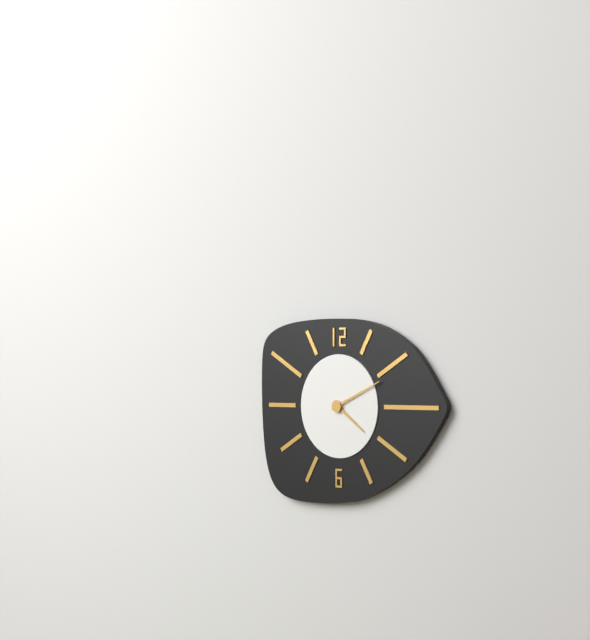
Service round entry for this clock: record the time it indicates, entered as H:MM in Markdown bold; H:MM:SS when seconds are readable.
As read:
**4:11**
